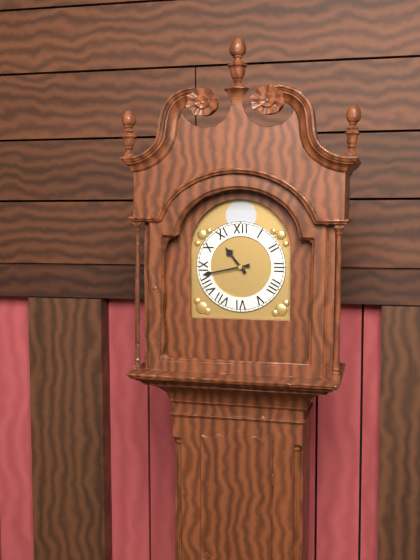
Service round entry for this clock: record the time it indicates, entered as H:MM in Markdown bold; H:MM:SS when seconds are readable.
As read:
**10:43**
